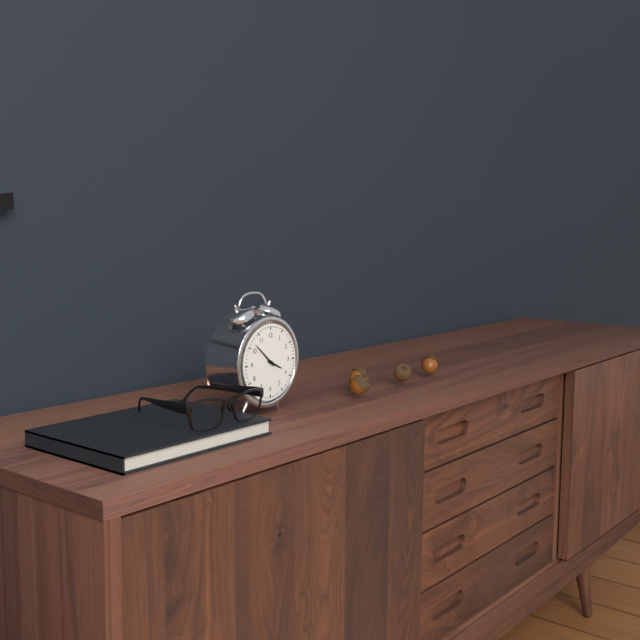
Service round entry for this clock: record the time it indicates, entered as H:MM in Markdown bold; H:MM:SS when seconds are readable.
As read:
**3:52**
